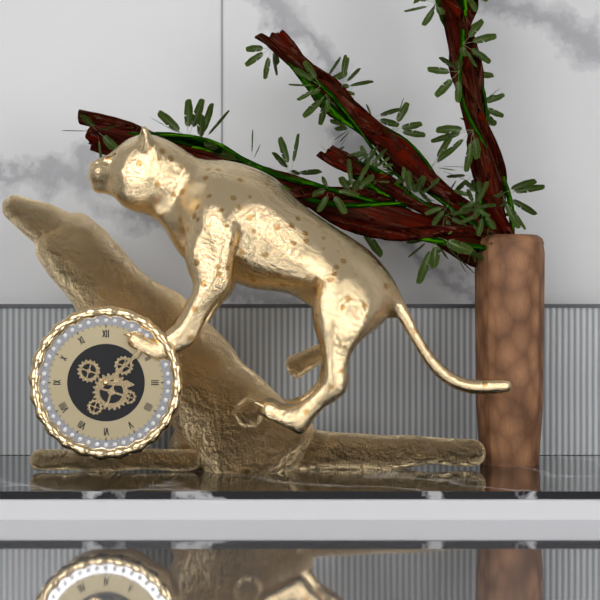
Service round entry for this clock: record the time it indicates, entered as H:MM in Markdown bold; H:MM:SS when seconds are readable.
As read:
**3:08**
